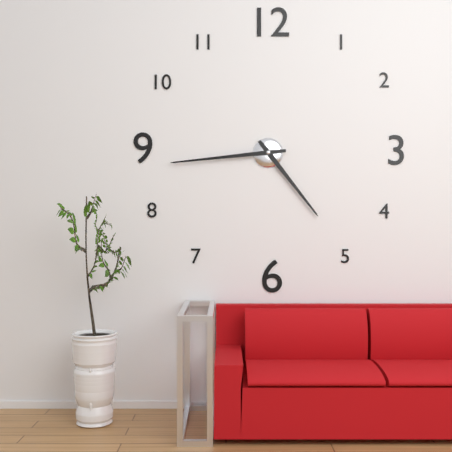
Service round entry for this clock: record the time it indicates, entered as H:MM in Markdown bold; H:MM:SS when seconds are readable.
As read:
**4:44**
